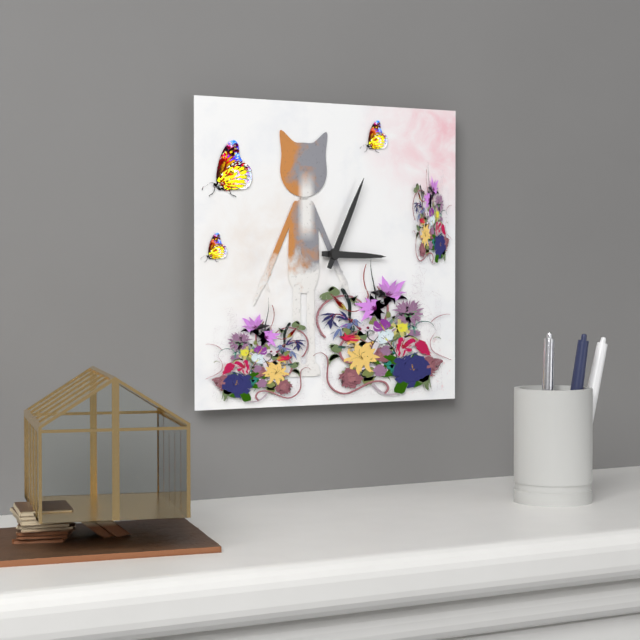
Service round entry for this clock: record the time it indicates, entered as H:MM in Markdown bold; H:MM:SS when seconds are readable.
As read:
**3:04**
